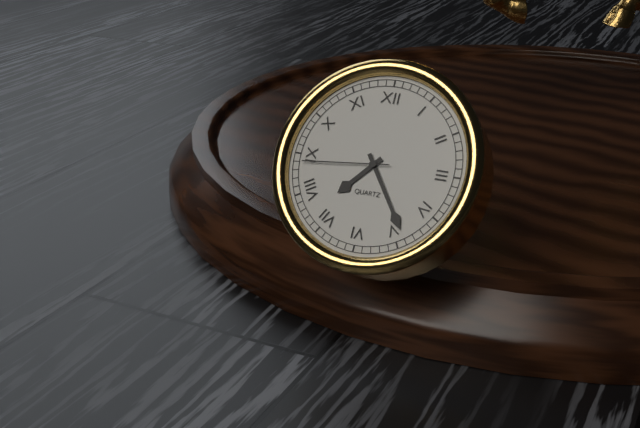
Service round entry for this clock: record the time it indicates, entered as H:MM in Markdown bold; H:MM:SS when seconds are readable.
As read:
**7:24:44**
